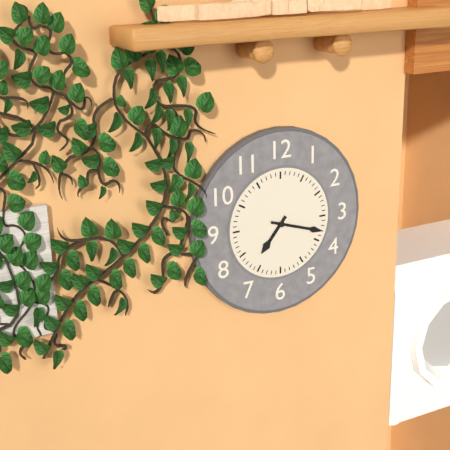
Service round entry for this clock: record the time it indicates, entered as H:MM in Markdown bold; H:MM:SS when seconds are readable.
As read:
**7:18**
